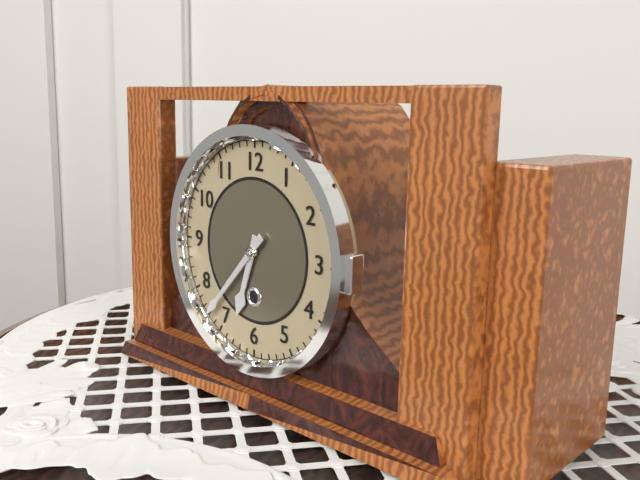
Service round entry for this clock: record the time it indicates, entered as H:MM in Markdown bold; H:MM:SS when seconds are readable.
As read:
**6:37**
